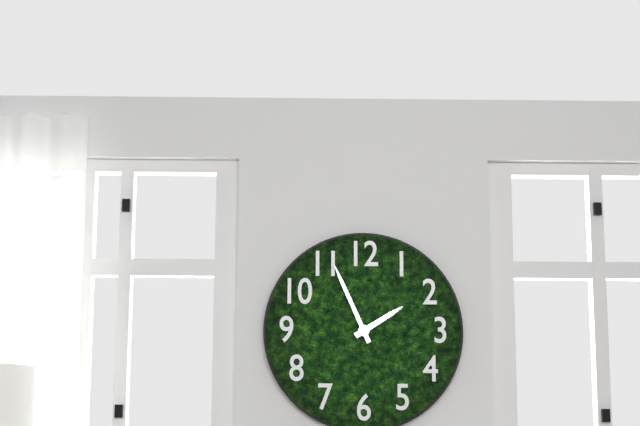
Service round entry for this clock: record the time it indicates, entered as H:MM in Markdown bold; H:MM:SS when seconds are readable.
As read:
**1:56**
